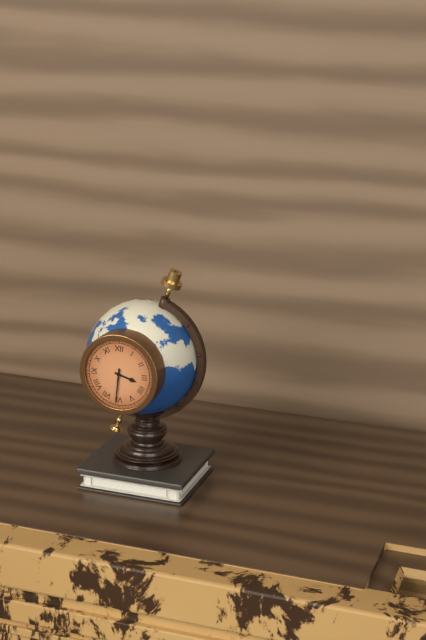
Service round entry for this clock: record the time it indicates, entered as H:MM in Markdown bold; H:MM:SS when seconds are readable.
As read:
**3:31**
